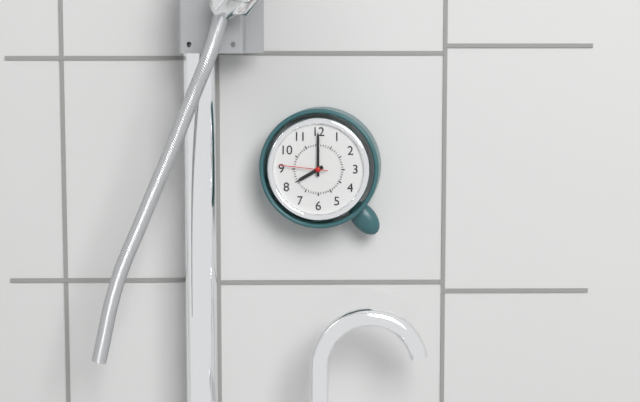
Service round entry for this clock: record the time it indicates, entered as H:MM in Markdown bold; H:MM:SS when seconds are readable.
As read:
**8:00:46**
